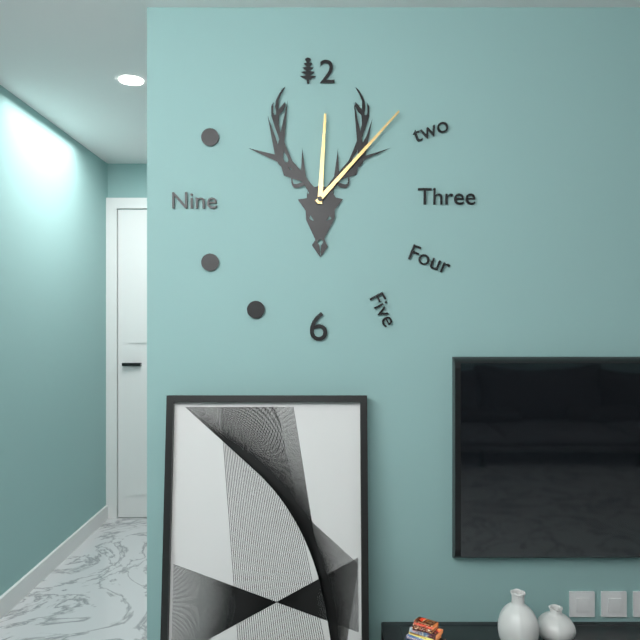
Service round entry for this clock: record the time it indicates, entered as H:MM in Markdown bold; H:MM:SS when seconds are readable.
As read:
**12:07**
